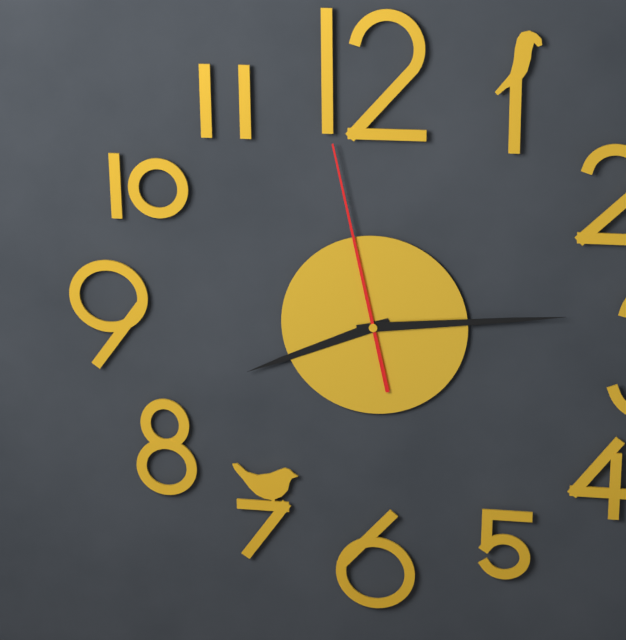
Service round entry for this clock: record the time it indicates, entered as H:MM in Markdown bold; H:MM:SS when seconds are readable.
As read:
**8:14:58**
